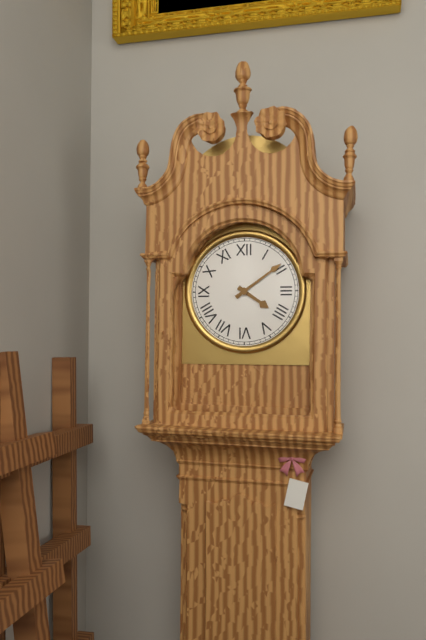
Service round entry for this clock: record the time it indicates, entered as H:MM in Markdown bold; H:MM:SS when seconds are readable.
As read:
**4:09**
